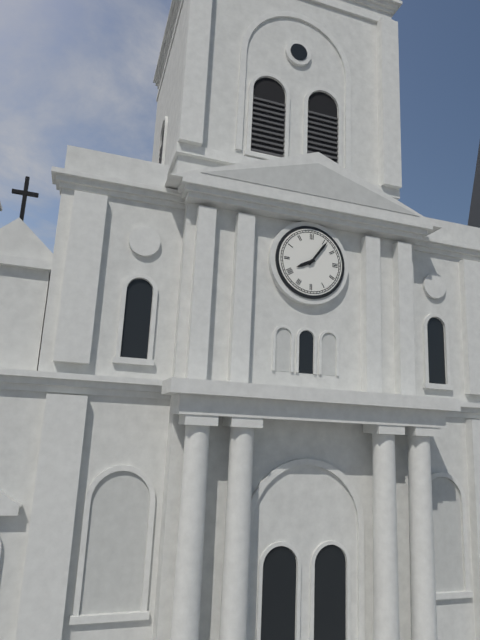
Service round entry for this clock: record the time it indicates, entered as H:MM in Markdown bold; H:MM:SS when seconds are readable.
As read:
**8:06**
